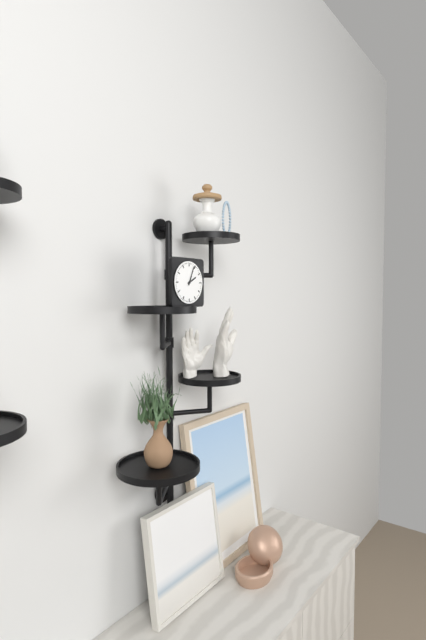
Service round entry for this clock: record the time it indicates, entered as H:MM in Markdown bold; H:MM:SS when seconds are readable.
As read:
**2:04**
